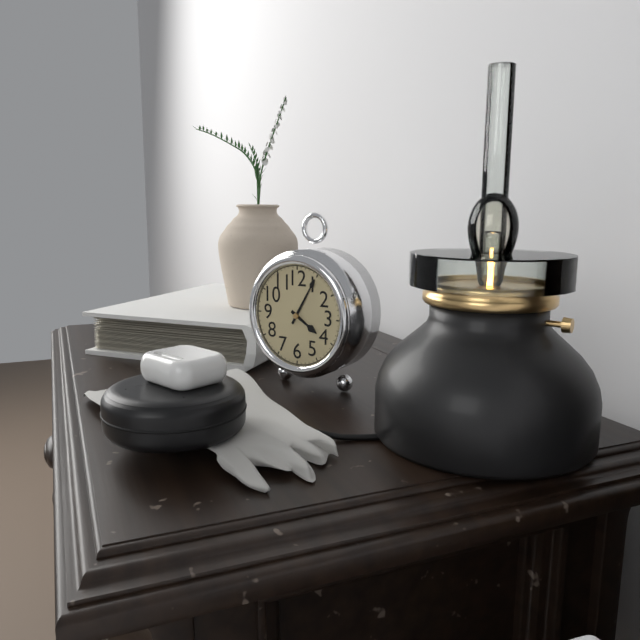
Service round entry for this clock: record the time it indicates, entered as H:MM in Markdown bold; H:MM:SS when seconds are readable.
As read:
**4:05**
